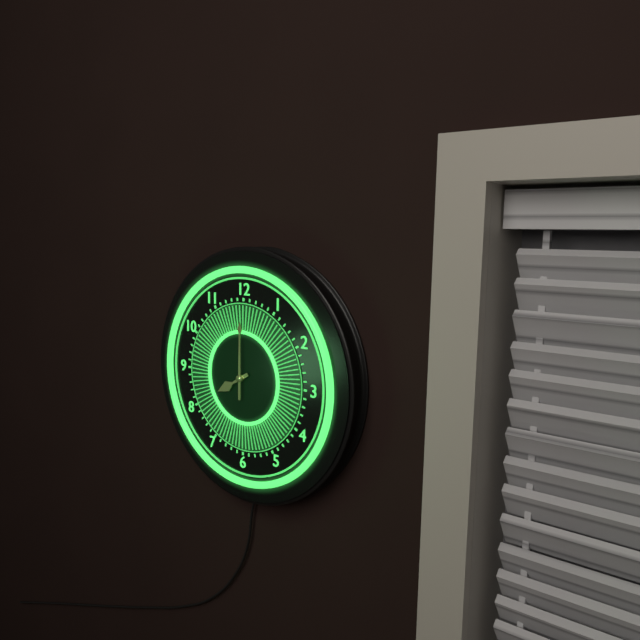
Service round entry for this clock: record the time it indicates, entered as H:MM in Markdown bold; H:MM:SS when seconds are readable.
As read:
**8:00**
